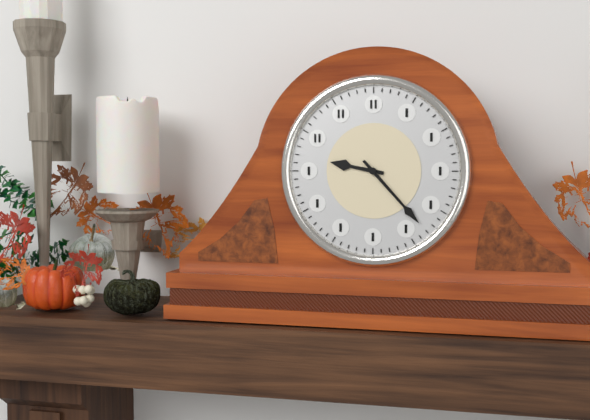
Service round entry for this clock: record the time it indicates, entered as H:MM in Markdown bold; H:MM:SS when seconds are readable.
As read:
**9:23**
